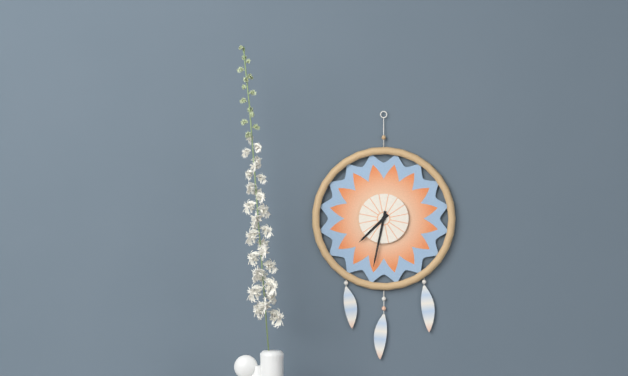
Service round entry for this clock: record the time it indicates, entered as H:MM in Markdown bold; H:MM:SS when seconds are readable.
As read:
**7:32**
